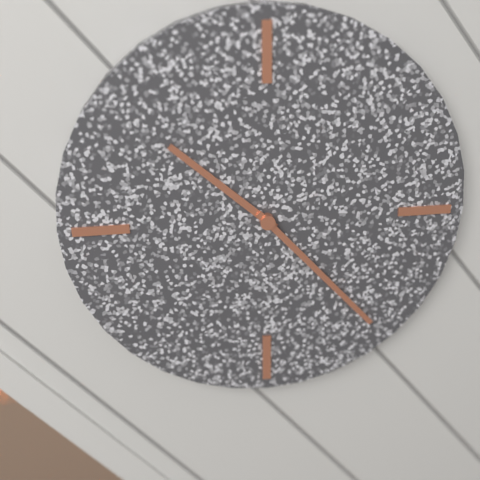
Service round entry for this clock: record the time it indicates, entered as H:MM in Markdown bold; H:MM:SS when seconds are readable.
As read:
**10:23**
